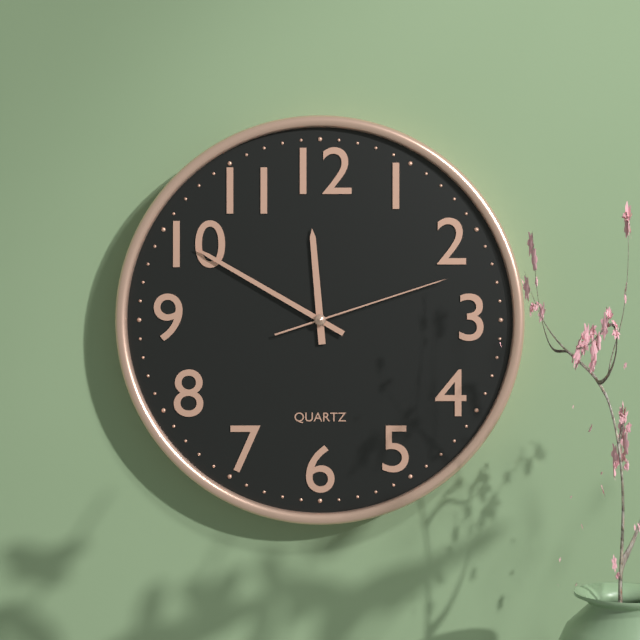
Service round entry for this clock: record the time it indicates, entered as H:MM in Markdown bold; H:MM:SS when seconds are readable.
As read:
**11:50:12**
